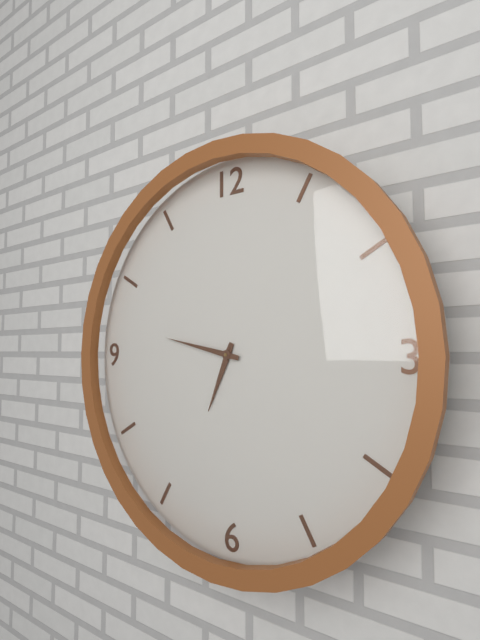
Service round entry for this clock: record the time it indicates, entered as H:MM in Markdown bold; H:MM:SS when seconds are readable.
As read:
**6:47**
